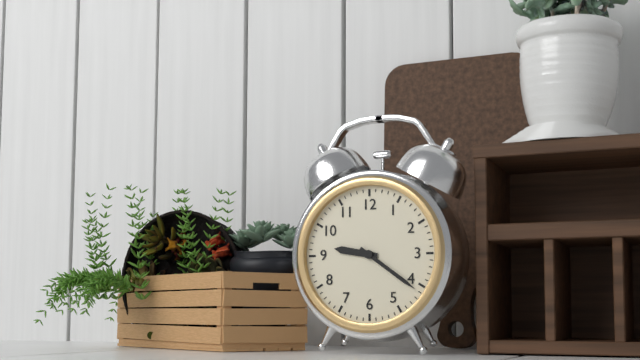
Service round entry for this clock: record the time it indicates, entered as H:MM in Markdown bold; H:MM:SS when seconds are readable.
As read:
**9:21**
